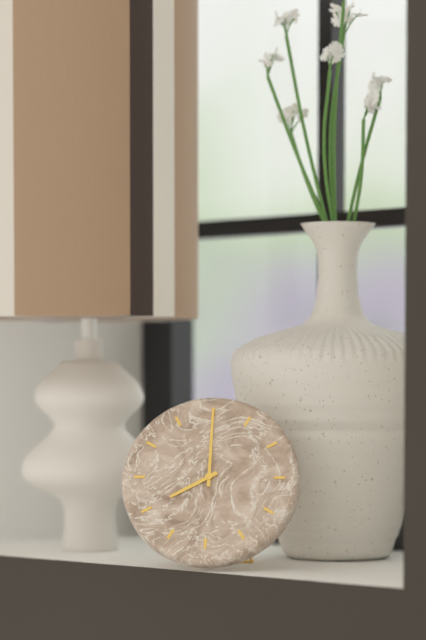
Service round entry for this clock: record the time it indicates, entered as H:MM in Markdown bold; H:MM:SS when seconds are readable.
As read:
**8:00**
